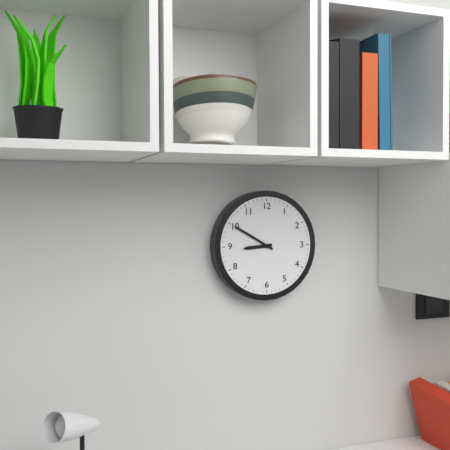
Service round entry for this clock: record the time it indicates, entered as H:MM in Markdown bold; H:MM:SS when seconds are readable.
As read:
**8:50**
